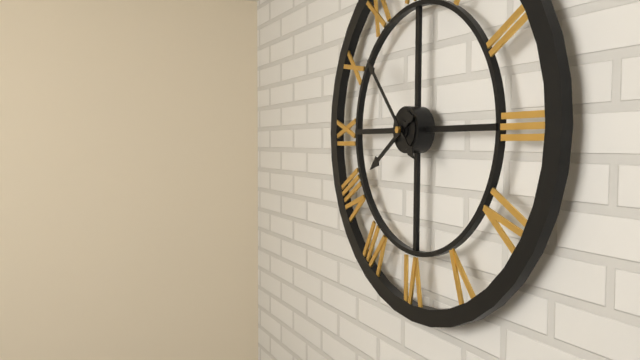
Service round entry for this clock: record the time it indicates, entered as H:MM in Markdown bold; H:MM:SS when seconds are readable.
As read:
**7:53**
